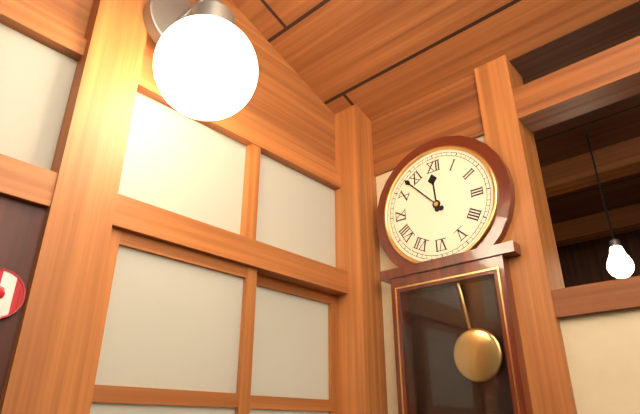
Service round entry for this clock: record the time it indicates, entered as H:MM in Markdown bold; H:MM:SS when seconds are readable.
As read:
**11:53**
